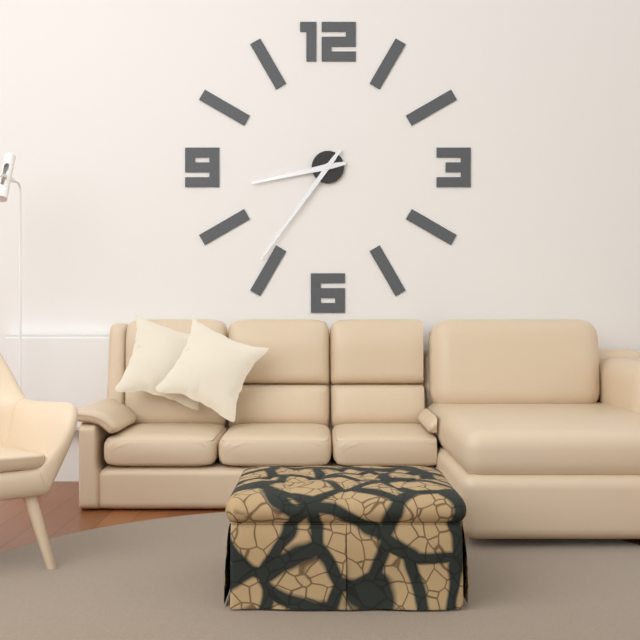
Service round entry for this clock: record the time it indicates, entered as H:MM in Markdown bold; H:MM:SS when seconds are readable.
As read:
**8:36**
